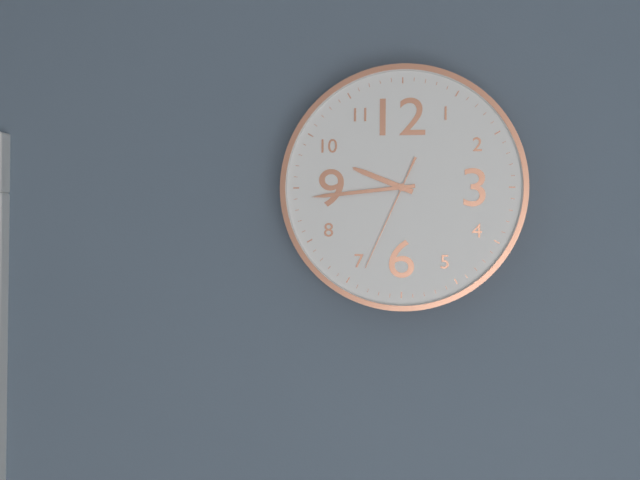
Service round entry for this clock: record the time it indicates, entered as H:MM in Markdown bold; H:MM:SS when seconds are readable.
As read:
**9:44:34**
